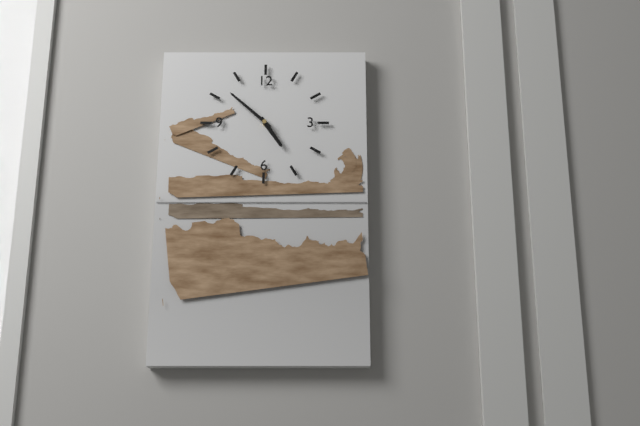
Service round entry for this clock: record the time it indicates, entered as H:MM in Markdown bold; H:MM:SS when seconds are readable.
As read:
**4:52**
